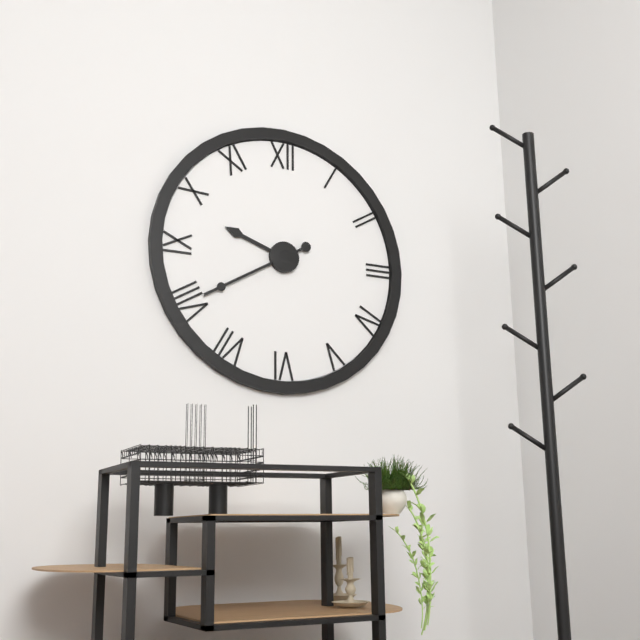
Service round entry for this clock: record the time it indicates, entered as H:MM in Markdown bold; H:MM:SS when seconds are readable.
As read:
**9:40**
